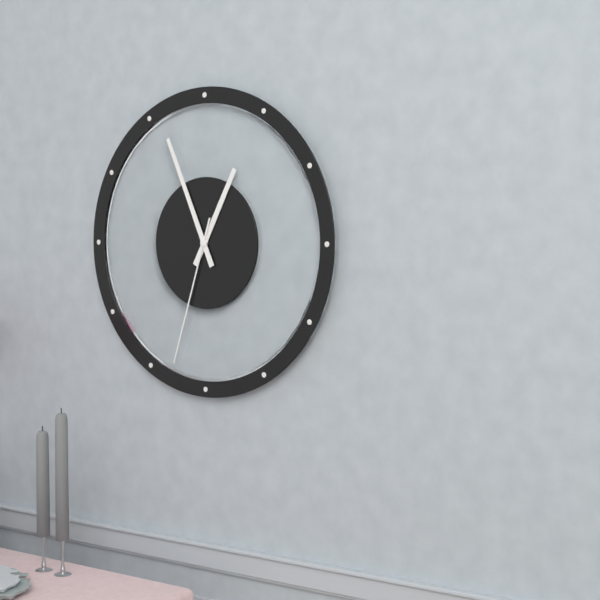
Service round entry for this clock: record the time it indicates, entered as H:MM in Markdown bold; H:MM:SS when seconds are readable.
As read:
**12:56:33**
